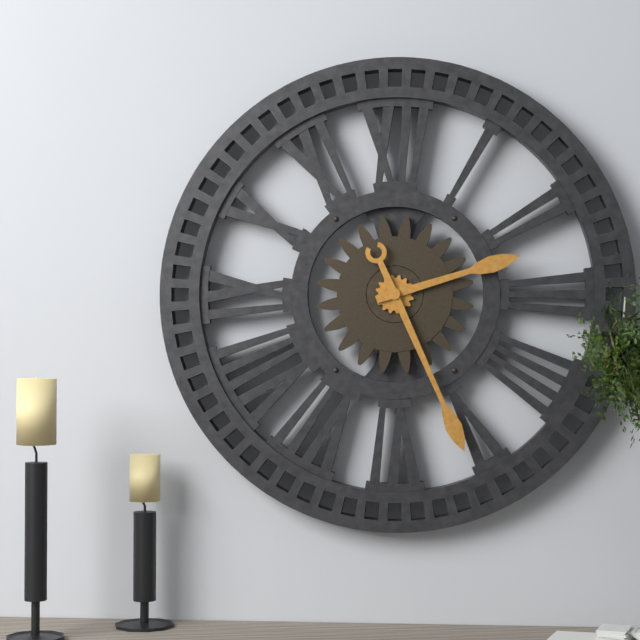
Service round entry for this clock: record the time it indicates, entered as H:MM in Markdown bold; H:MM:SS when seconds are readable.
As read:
**2:26**
